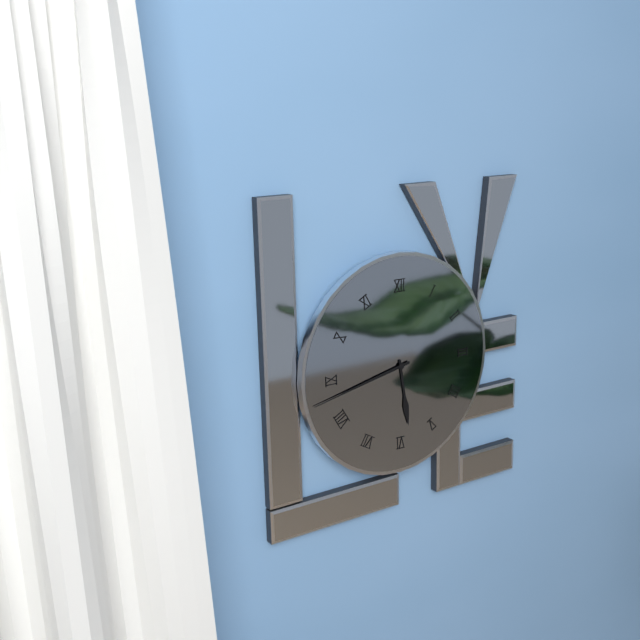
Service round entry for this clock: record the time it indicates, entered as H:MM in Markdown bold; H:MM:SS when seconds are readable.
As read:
**5:43**
